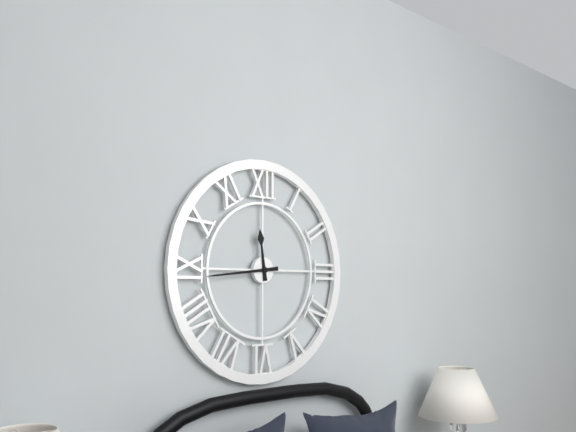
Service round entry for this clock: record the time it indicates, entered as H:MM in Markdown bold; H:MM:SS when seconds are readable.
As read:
**11:44**
